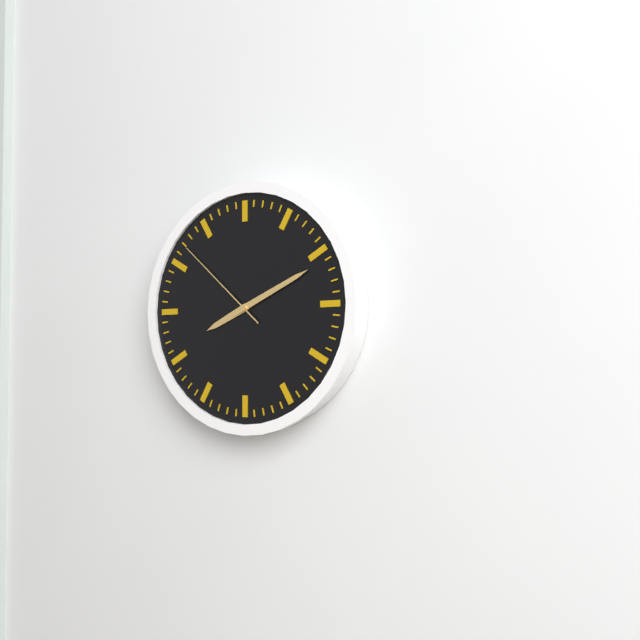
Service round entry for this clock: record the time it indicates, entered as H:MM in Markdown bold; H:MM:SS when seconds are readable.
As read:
**8:11:52**
